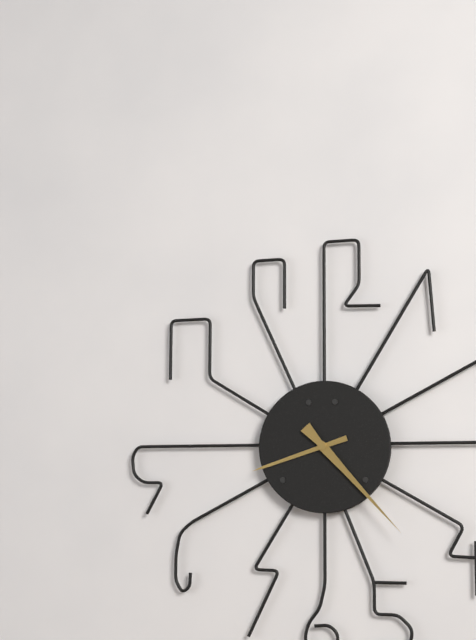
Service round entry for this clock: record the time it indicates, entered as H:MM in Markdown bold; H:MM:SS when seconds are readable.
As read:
**8:23**
